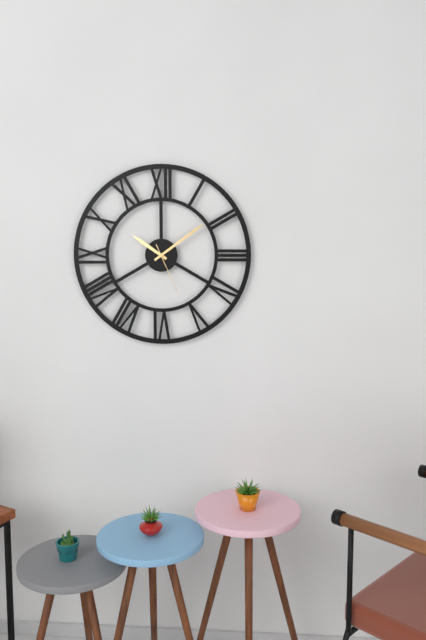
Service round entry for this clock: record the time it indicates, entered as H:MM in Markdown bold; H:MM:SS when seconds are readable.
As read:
**10:09**
